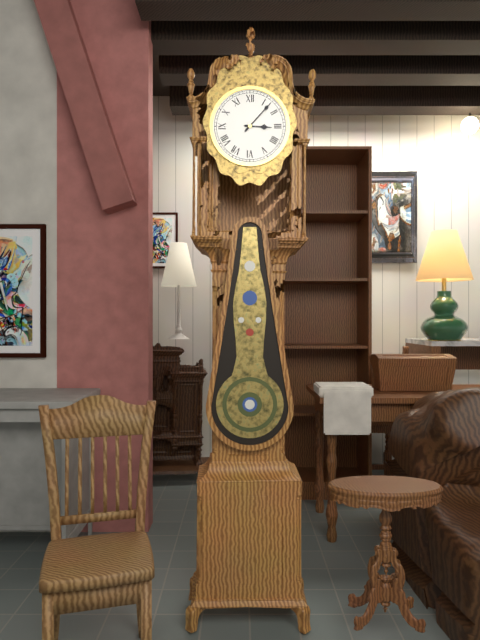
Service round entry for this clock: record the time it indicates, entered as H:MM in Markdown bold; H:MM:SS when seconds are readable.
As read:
**3:07**
